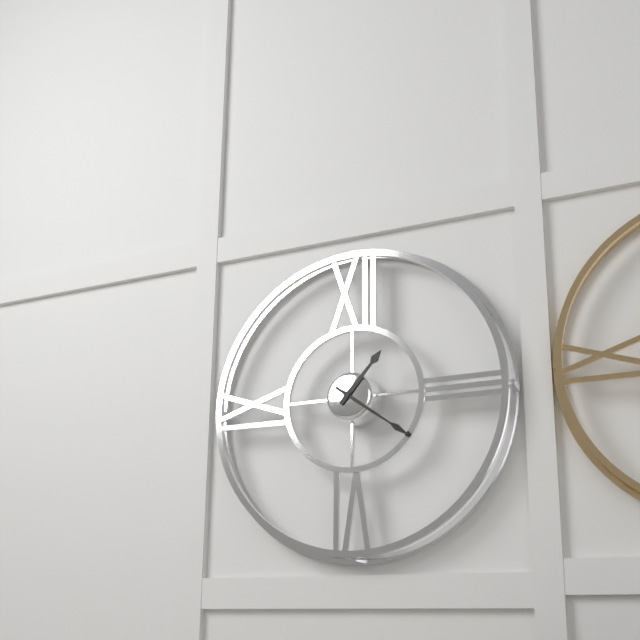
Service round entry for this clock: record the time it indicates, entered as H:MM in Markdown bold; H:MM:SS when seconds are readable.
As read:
**1:21**
